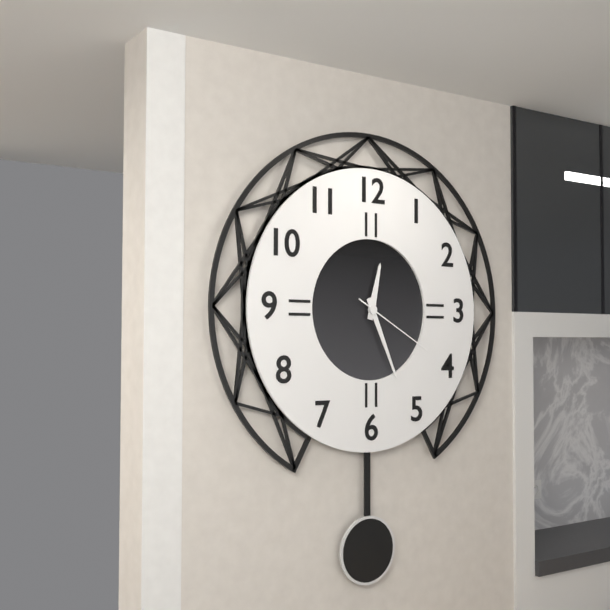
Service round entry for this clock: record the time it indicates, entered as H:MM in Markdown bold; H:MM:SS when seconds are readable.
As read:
**12:26:20**
